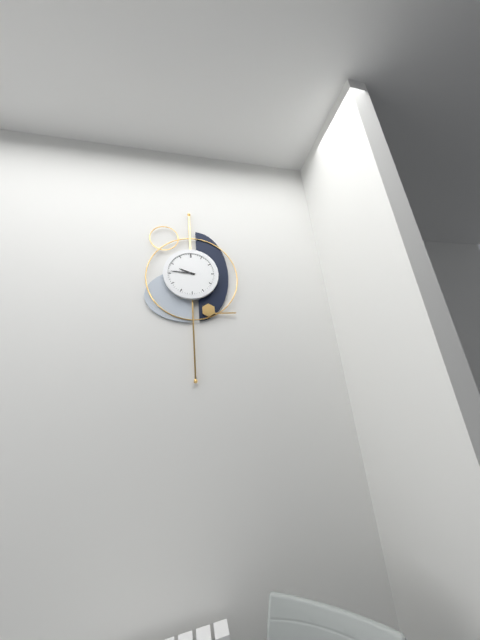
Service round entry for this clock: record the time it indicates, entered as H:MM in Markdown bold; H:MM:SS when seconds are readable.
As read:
**9:46**
